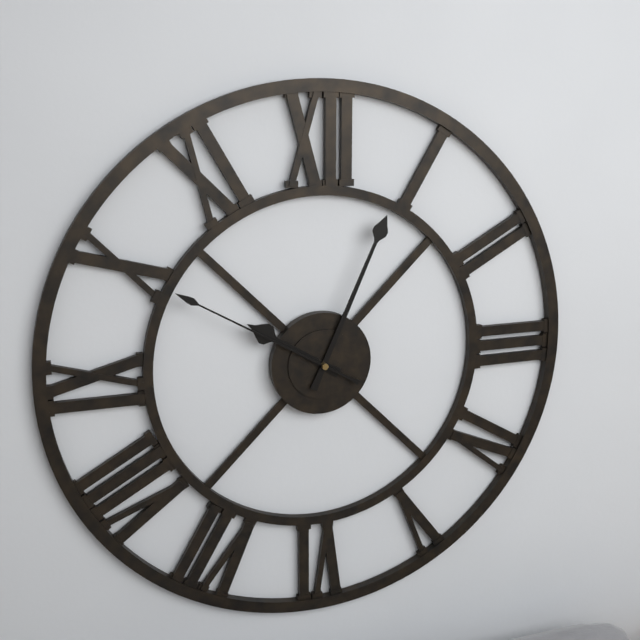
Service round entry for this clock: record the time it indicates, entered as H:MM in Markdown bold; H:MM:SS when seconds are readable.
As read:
**10:04:50**
